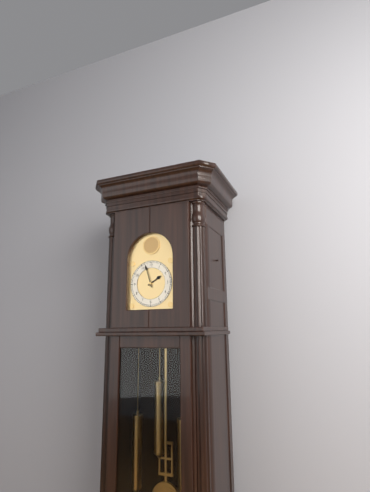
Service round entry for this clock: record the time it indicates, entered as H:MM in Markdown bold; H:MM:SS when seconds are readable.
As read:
**1:57**
